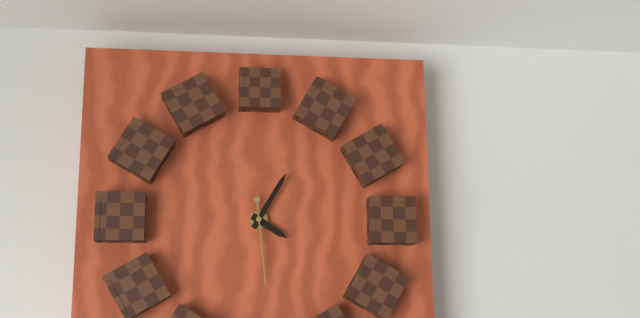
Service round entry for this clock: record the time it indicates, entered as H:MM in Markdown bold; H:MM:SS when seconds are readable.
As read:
**4:05:29**
